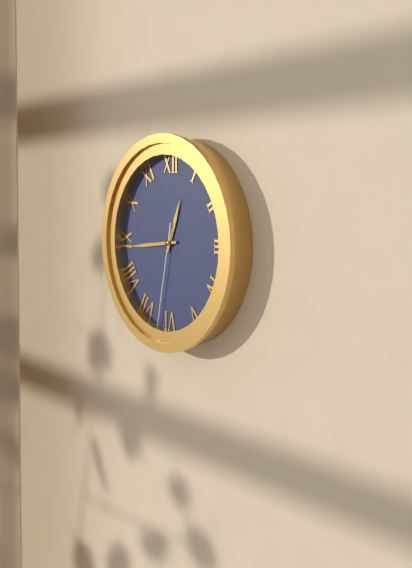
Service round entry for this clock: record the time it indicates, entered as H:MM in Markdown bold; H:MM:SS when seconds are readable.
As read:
**12:44:32**
